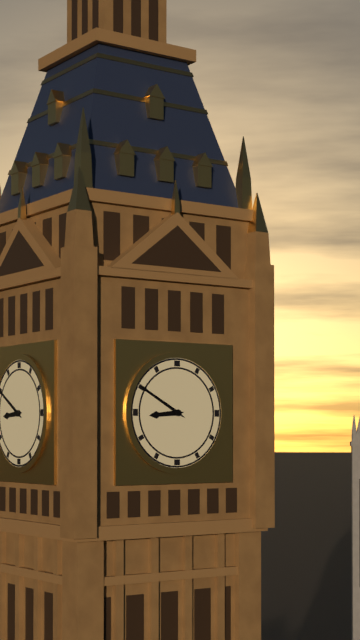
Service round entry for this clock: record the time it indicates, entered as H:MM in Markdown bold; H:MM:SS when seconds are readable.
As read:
**8:50**
